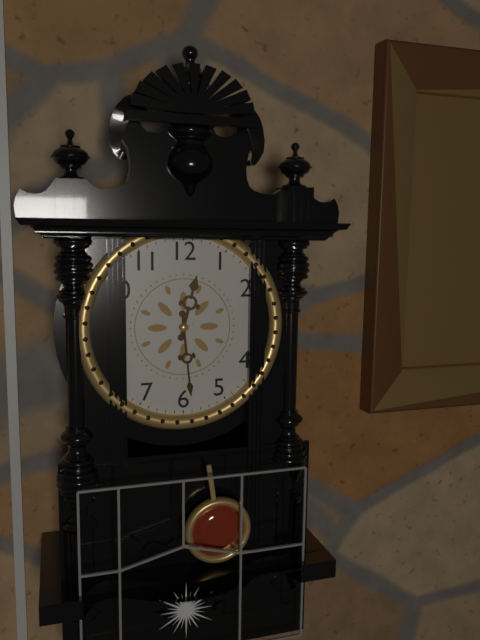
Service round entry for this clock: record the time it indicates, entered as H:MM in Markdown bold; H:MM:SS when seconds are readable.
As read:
**12:29**
